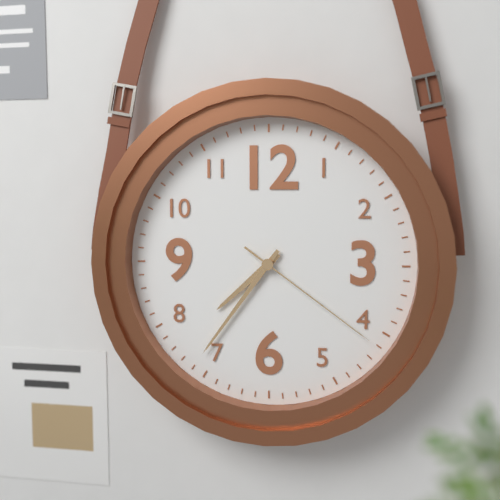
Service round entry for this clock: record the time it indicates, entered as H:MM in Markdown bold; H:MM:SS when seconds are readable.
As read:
**7:36:21**
